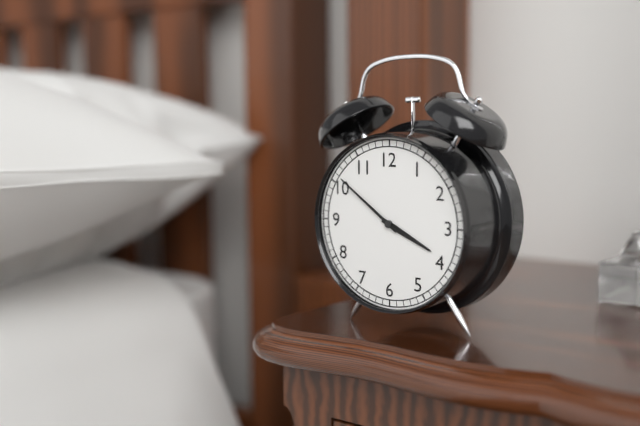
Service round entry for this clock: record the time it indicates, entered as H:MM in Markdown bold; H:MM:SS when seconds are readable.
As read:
**3:51**
